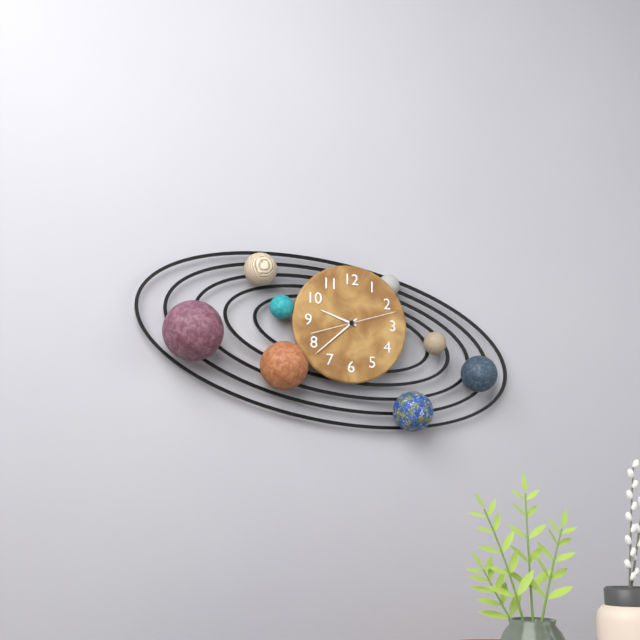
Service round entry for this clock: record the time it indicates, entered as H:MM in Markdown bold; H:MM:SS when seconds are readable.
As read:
**9:38:12**
